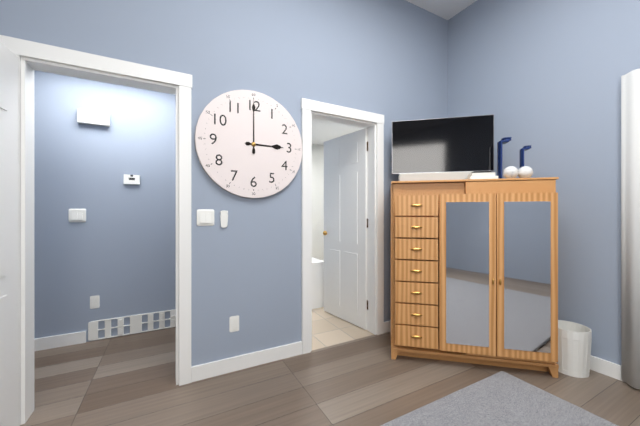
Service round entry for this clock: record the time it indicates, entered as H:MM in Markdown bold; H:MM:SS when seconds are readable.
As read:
**3:00**
